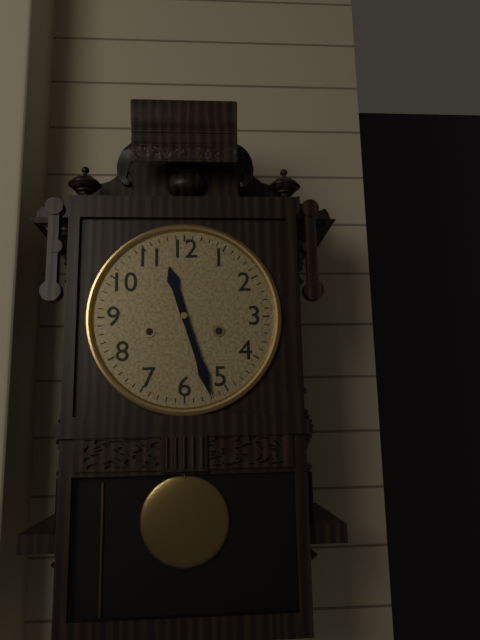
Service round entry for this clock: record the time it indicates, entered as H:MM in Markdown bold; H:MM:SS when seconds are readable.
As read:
**11:27**
